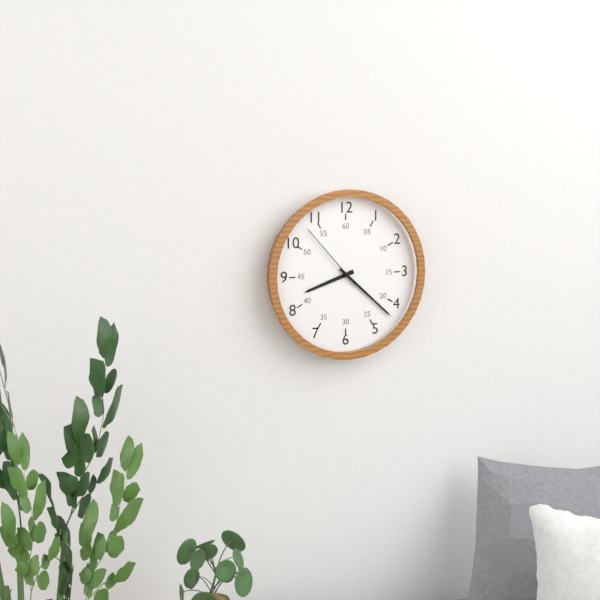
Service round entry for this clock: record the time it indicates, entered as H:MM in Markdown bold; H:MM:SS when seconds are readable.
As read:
**8:22:53**
